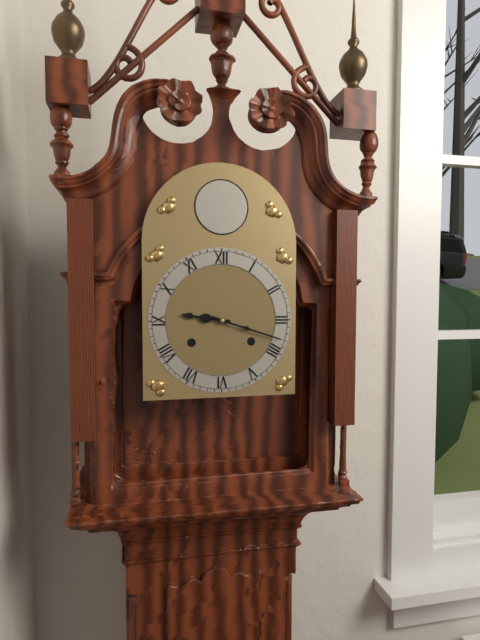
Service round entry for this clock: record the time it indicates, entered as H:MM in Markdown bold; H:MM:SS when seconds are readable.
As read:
**9:18**
